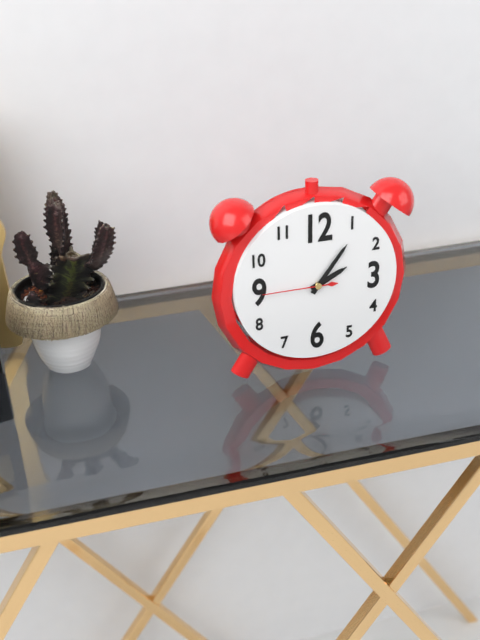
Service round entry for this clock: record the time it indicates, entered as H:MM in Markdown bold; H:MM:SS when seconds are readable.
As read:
**2:06:45**
